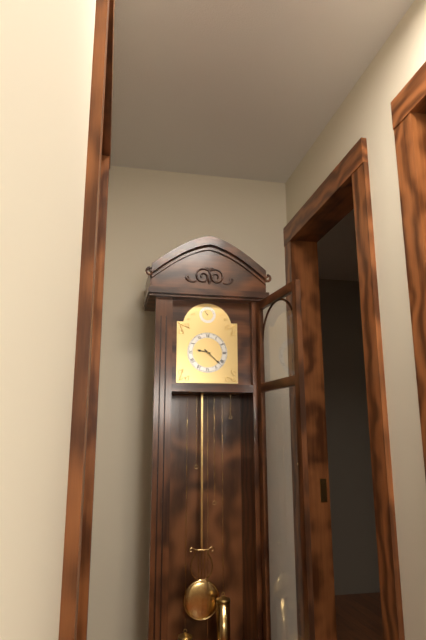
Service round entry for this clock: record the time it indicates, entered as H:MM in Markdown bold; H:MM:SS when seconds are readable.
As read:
**9:22**
